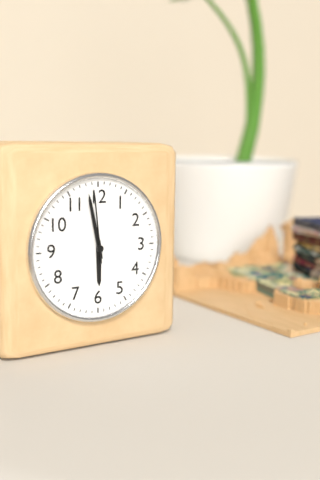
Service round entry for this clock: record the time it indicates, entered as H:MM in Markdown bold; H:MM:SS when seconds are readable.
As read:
**5:58:59**
